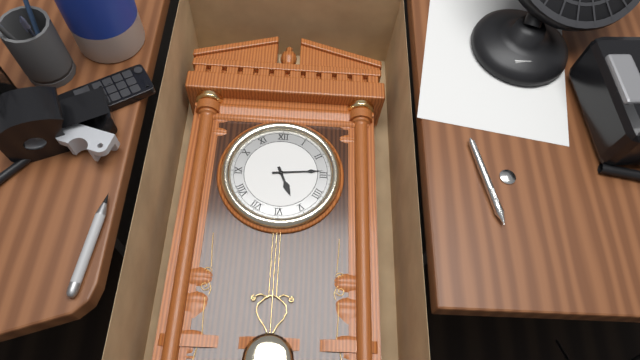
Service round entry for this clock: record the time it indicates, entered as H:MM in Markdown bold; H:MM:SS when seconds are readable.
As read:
**5:14**
